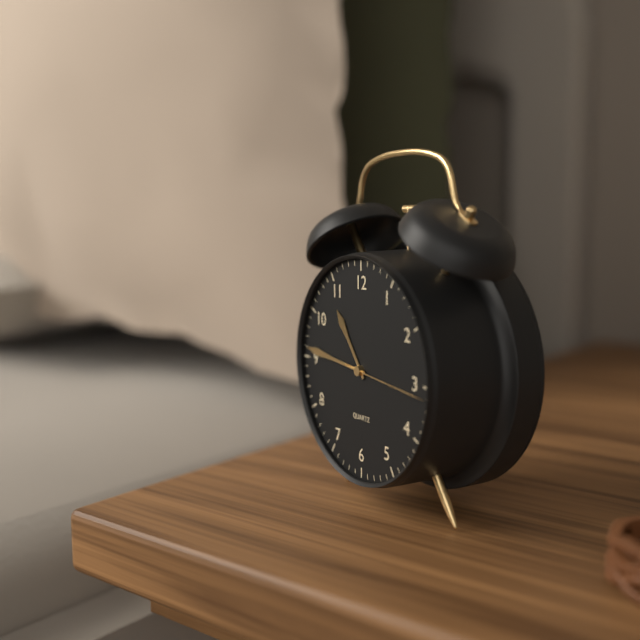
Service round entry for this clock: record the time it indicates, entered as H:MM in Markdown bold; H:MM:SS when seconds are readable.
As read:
**10:46:16**
